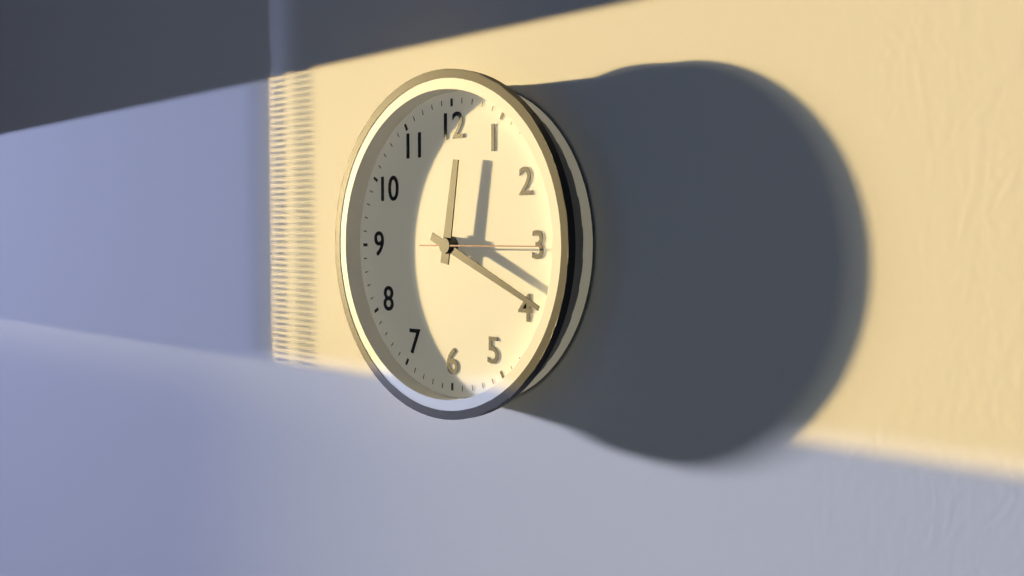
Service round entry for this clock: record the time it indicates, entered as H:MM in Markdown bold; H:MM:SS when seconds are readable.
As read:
**12:19:15**
